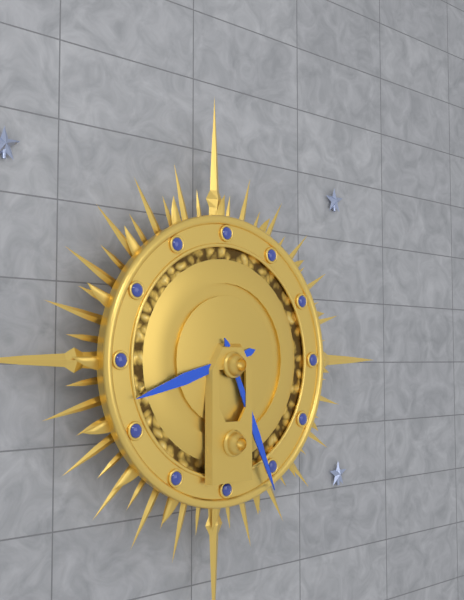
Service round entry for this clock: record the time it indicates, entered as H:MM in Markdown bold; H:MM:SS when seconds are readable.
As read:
**8:26**
